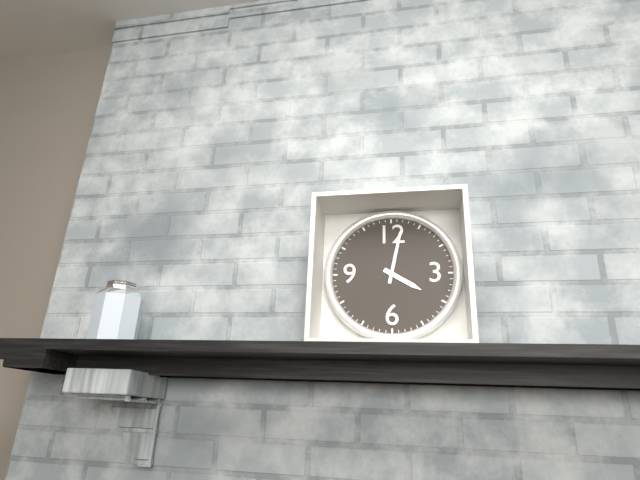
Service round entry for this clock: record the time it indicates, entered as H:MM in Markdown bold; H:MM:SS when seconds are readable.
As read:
**4:02**
